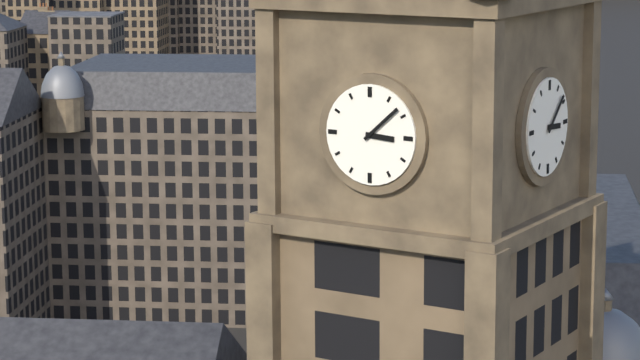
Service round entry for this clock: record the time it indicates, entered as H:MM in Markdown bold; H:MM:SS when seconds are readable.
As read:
**3:08**
